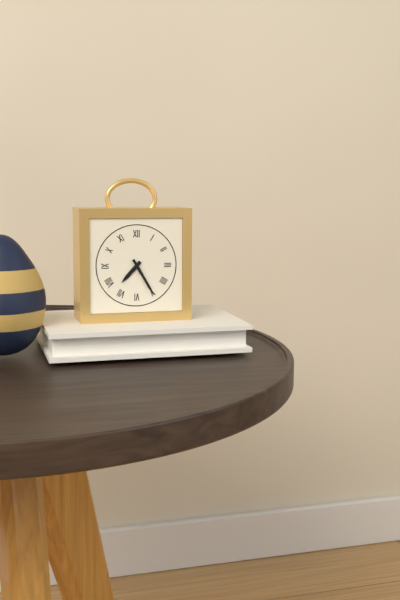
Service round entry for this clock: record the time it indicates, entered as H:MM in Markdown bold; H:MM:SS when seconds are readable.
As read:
**7:25**
